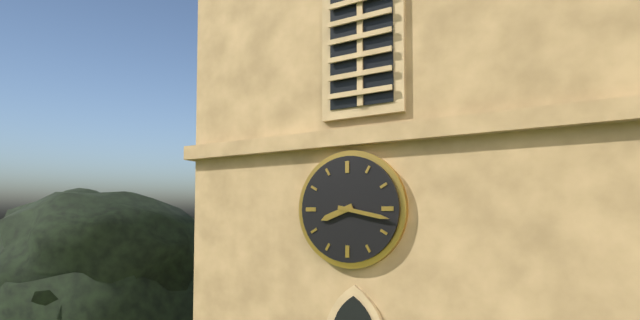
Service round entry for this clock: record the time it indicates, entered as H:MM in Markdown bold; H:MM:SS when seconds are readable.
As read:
**8:17**
